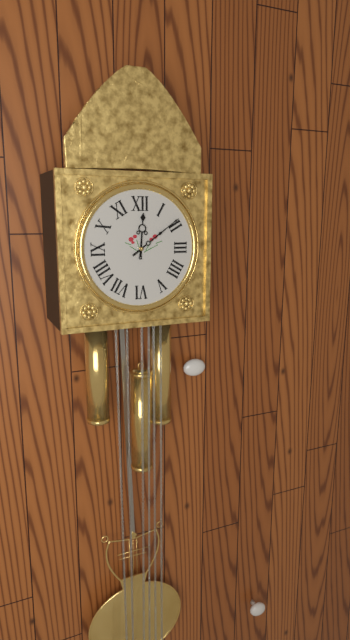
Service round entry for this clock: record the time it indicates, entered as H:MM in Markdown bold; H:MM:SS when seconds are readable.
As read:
**12:09**
